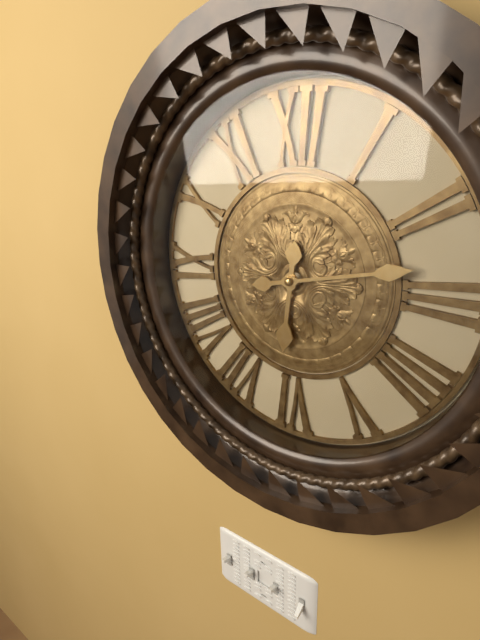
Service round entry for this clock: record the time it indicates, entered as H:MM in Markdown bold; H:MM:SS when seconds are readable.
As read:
**6:13**
